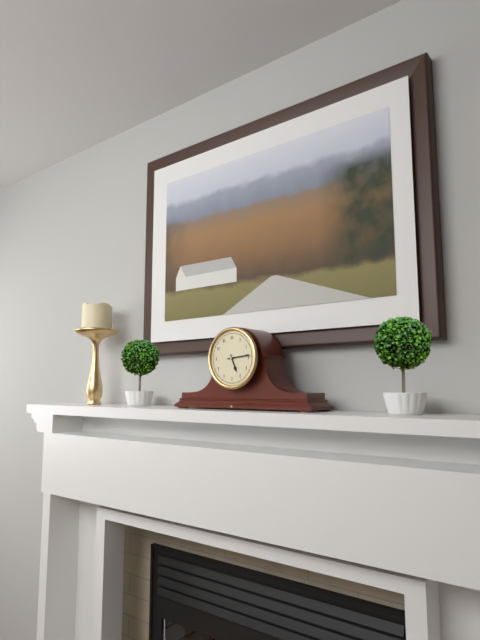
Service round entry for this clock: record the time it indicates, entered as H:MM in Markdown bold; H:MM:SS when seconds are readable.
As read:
**5:14**
